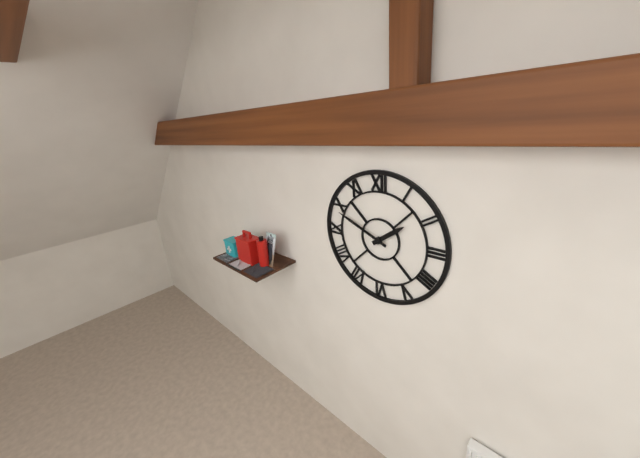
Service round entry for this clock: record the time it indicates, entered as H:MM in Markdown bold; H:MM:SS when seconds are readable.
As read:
**1:49**
